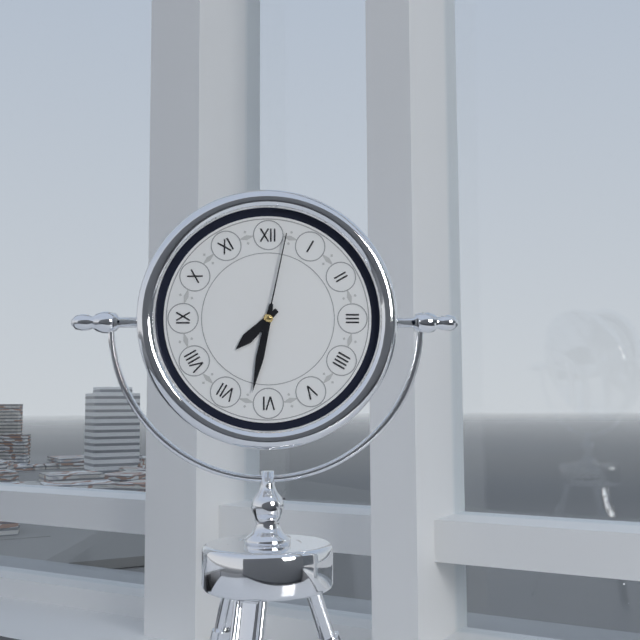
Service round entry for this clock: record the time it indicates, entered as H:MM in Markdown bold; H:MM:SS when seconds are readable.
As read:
**7:32:02**
